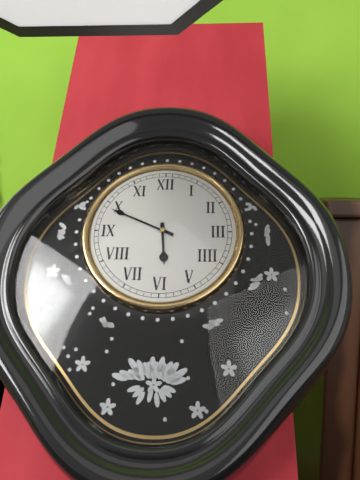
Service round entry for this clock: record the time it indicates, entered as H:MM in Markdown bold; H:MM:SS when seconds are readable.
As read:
**5:49**
